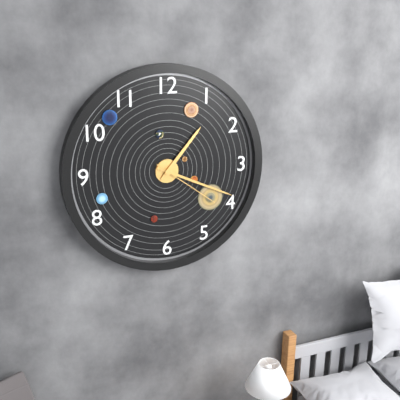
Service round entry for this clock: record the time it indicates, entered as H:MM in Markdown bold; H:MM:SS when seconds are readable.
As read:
**1:19:21**
